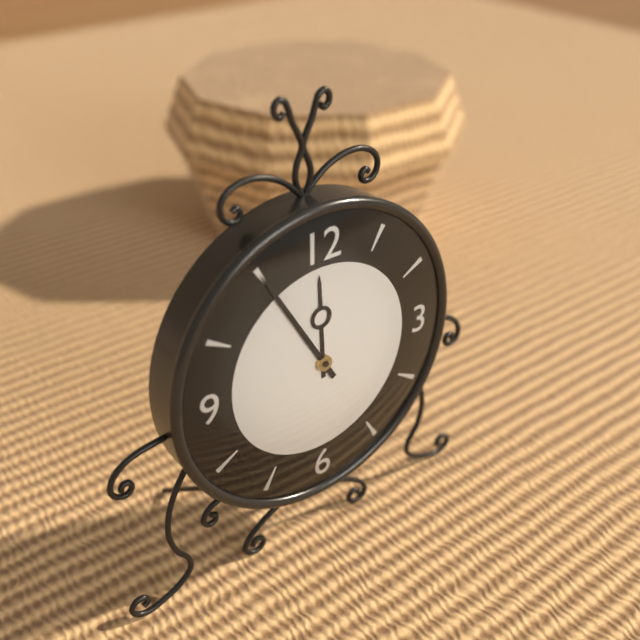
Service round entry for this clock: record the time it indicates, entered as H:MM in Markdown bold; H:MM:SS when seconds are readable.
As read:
**11:55**
